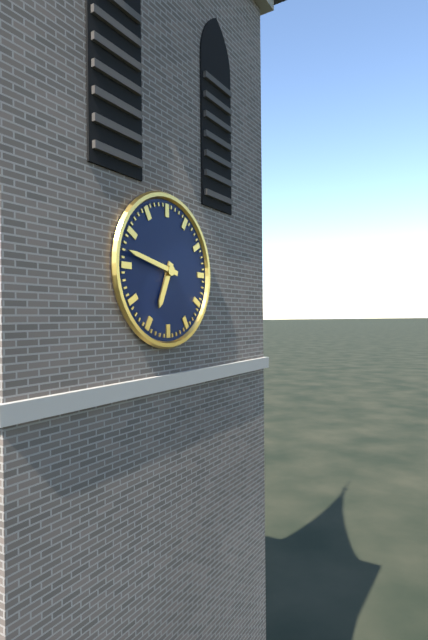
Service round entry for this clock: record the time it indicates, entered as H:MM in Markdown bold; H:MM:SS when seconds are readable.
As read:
**6:47**
